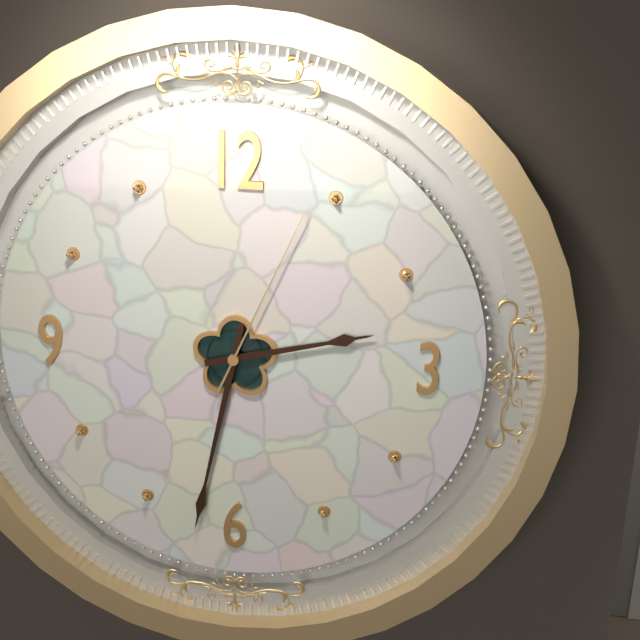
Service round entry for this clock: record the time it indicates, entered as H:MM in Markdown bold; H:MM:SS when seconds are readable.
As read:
**2:32:04**
